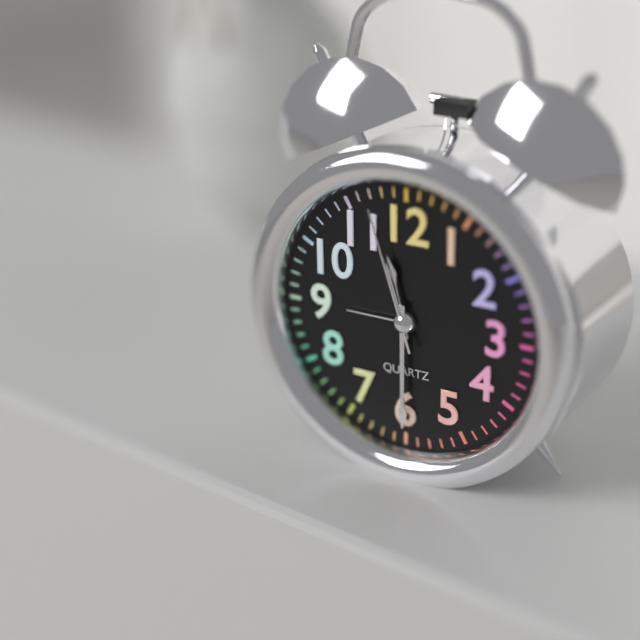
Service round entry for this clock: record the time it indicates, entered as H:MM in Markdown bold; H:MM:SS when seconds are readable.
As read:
**11:30:57**
